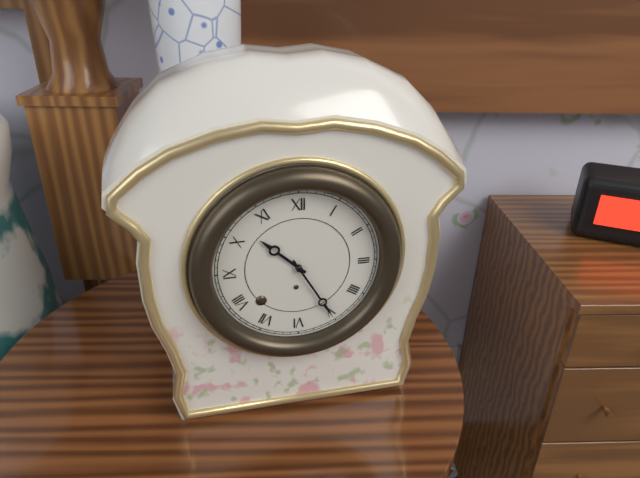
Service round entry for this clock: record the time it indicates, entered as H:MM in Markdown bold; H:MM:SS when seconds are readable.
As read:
**10:25**
